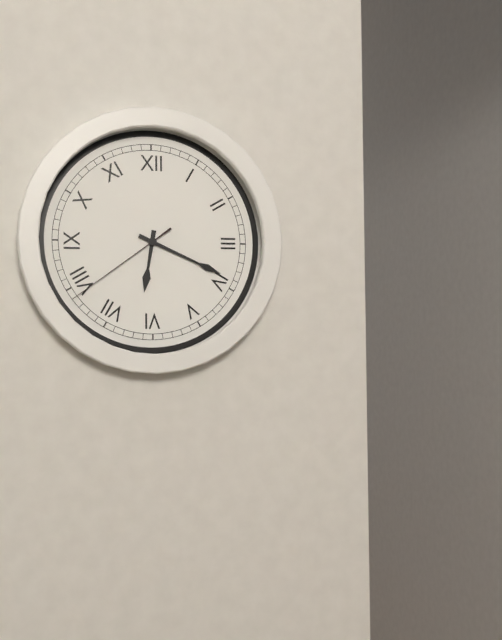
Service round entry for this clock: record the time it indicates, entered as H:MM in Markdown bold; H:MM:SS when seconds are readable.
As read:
**6:19:39**
